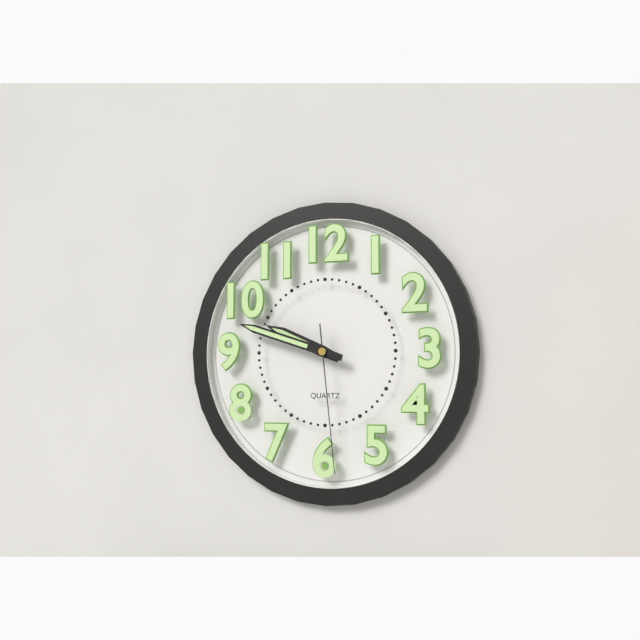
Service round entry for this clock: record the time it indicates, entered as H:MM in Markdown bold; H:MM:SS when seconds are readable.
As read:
**9:48:29**
